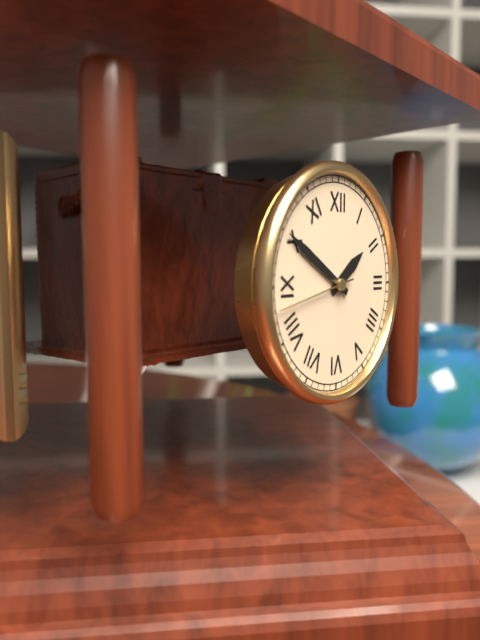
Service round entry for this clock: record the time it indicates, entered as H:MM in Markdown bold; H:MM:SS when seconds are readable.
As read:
**1:50**
